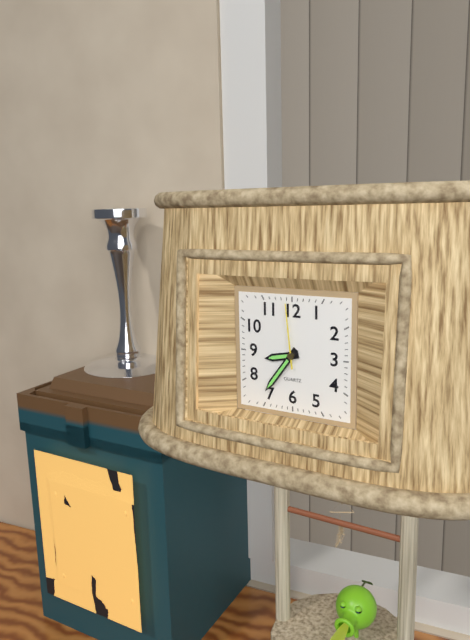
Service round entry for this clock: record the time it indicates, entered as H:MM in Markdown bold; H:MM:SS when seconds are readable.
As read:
**8:36:59**
